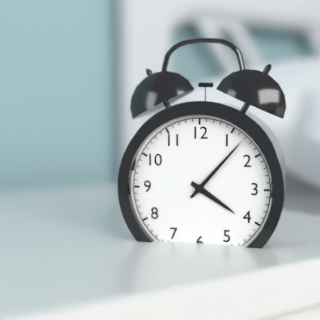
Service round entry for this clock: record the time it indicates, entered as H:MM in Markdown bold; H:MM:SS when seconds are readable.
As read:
**4:07**
